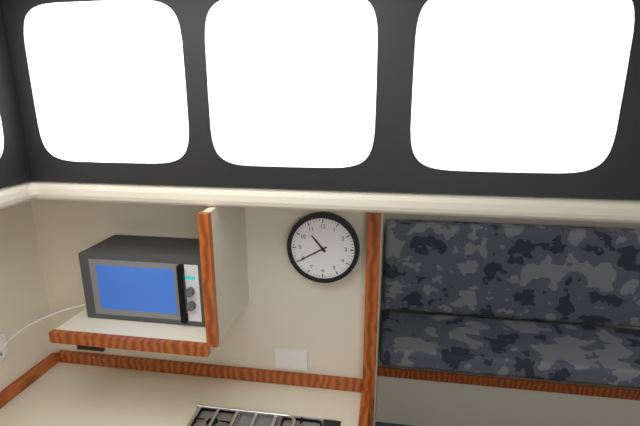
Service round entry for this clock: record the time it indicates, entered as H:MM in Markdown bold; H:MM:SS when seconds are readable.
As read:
**10:40**
